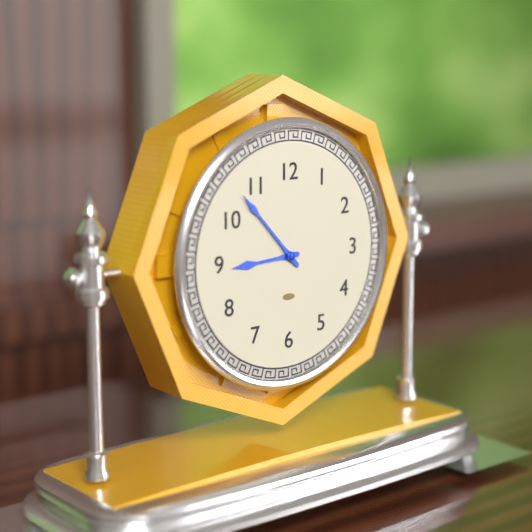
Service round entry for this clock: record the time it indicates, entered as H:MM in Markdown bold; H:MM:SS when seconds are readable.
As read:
**8:53**
